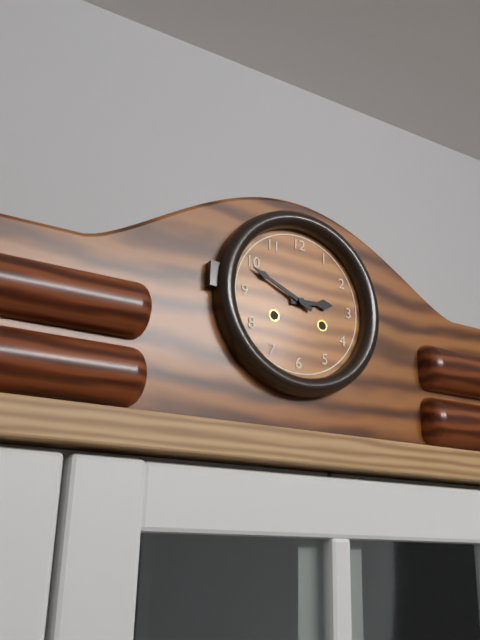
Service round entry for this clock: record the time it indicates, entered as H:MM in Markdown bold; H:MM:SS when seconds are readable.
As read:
**2:49**
